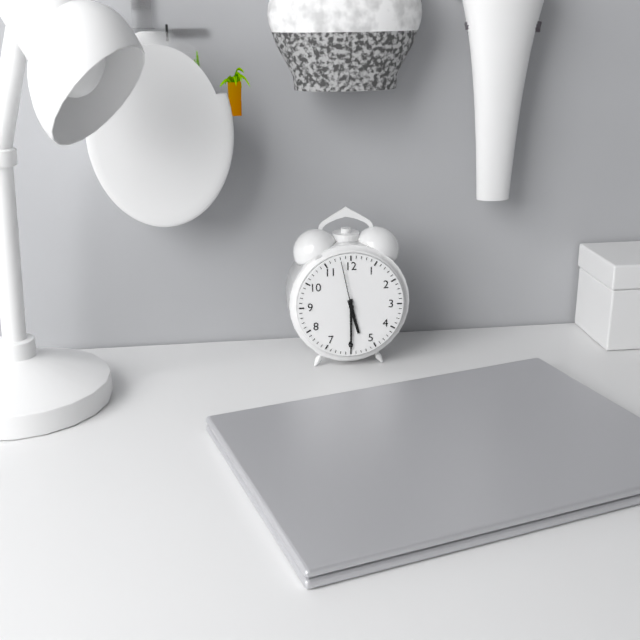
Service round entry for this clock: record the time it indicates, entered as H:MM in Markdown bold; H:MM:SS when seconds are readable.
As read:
**5:30:58**
